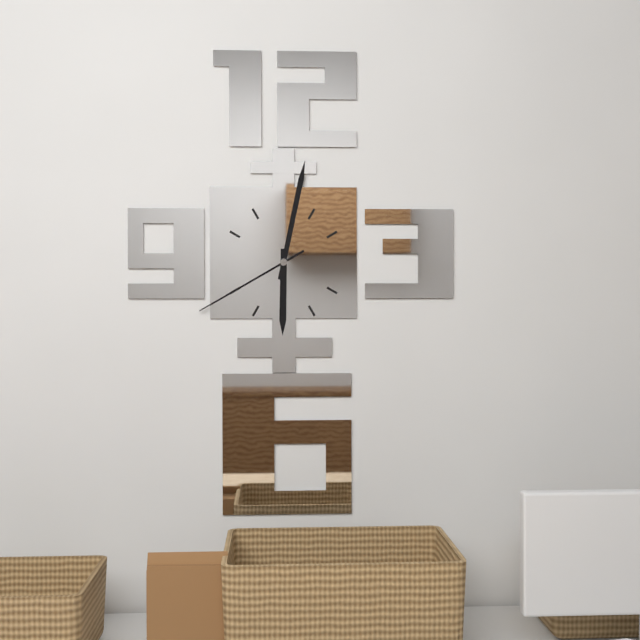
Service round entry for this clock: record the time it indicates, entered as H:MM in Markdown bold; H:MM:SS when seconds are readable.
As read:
**6:02:40**
